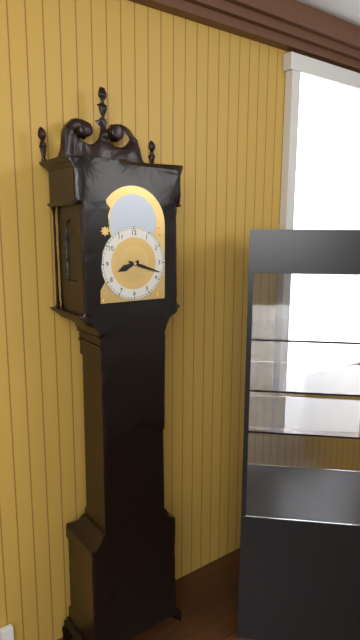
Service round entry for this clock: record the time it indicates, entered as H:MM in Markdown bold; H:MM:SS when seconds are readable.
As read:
**8:18**
